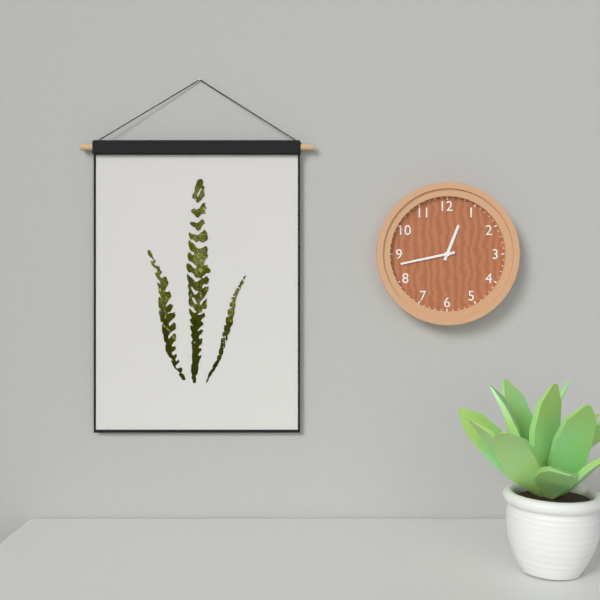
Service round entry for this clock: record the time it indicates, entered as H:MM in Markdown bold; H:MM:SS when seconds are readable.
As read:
**12:43**
